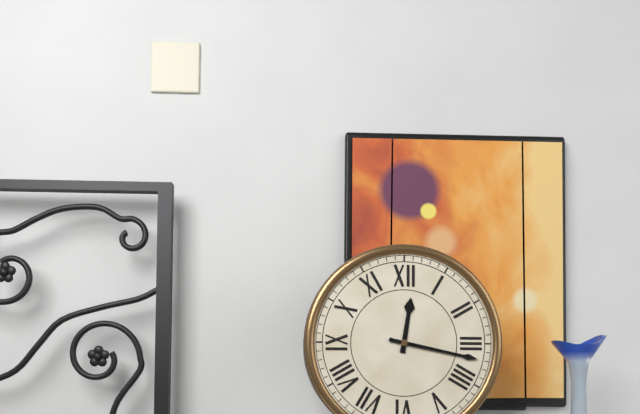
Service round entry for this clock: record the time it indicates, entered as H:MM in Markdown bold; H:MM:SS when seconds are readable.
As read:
**12:17**
